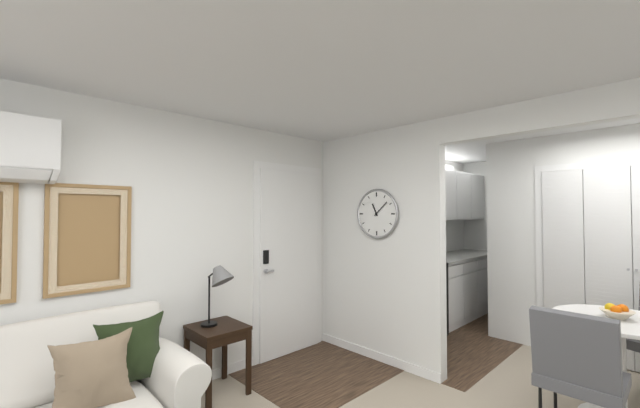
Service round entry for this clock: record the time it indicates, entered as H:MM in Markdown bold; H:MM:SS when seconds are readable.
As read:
**11:08**
